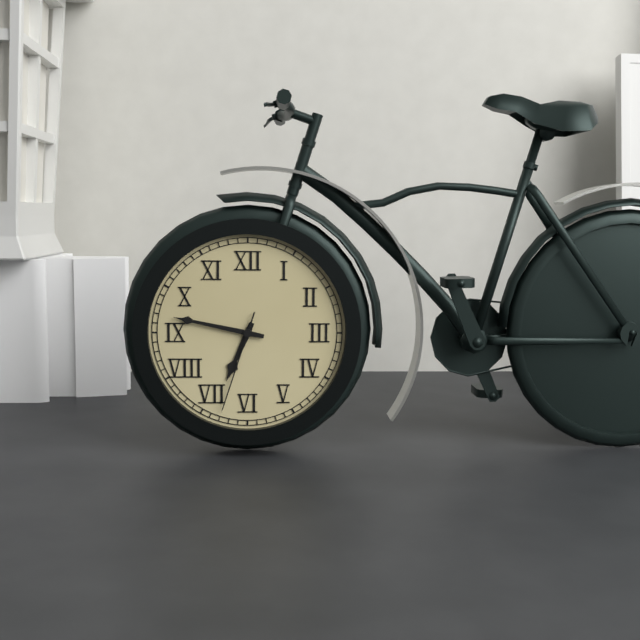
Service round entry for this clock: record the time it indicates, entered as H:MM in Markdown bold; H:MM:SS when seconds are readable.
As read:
**6:47:33**
